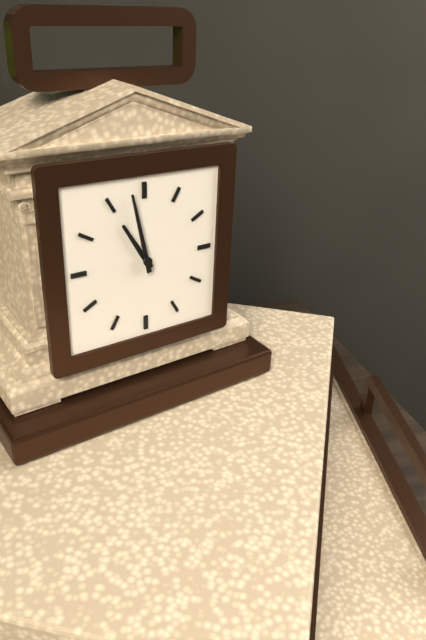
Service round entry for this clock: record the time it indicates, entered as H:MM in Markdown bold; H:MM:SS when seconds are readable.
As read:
**10:58**
